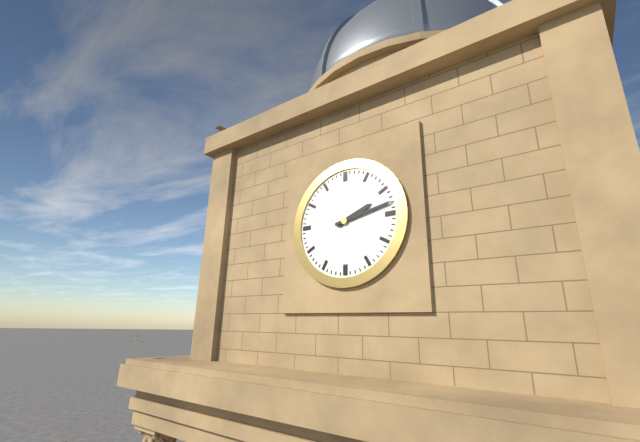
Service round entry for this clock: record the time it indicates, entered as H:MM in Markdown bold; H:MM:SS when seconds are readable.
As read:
**2:13**
